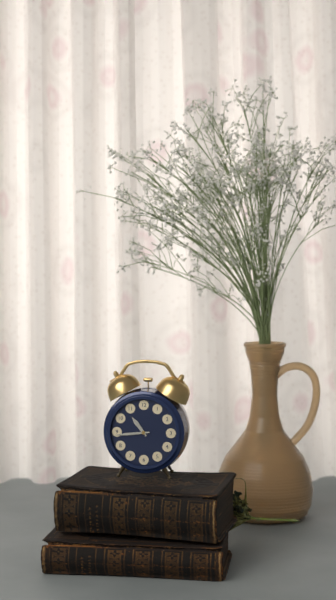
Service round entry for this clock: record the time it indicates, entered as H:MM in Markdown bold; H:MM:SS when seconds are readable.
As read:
**10:44**
